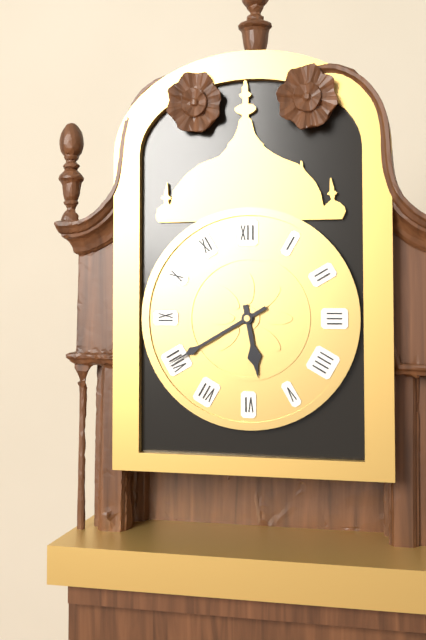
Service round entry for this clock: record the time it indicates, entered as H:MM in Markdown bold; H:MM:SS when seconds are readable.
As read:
**5:40**
